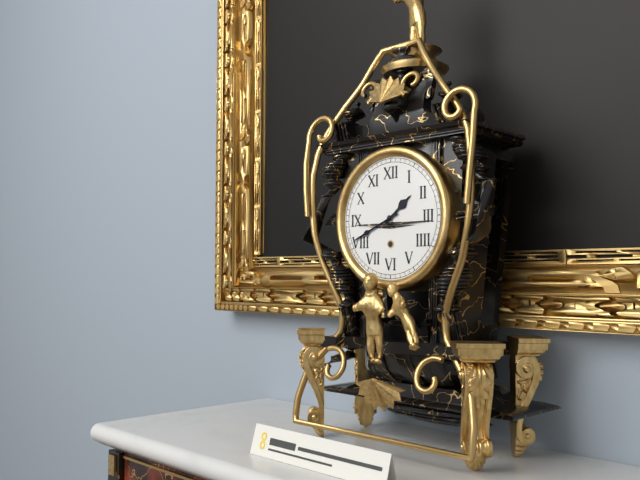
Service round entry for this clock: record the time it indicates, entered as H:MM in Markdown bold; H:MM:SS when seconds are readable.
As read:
**1:41**
